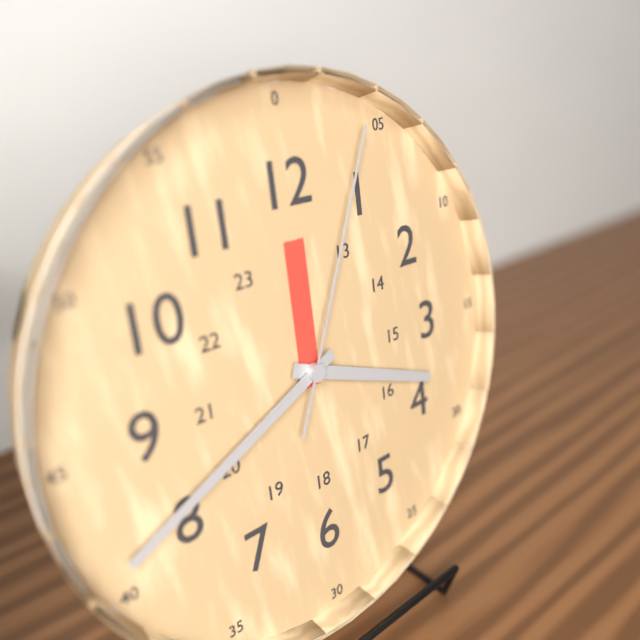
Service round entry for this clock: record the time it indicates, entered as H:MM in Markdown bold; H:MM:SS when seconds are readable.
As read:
**3:41:04**
